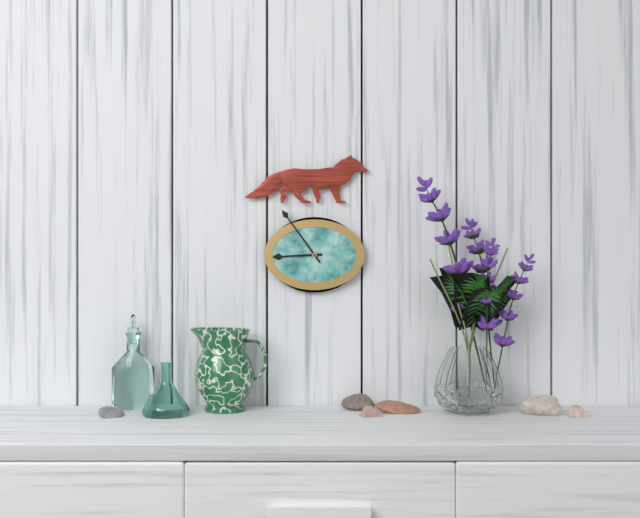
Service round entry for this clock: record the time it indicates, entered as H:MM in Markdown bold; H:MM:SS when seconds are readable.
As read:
**8:54**
